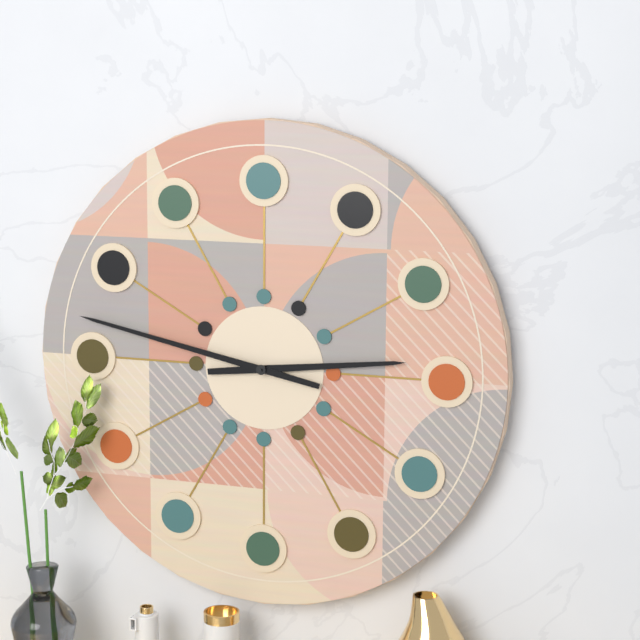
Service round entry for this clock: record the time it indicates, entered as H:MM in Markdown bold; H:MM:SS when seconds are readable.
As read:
**2:47**
